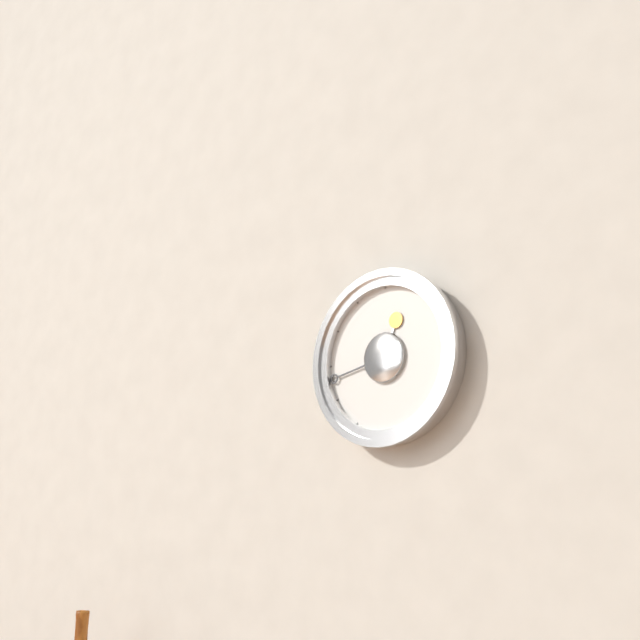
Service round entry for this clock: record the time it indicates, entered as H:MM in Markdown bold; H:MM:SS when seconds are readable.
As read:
**12:43**
